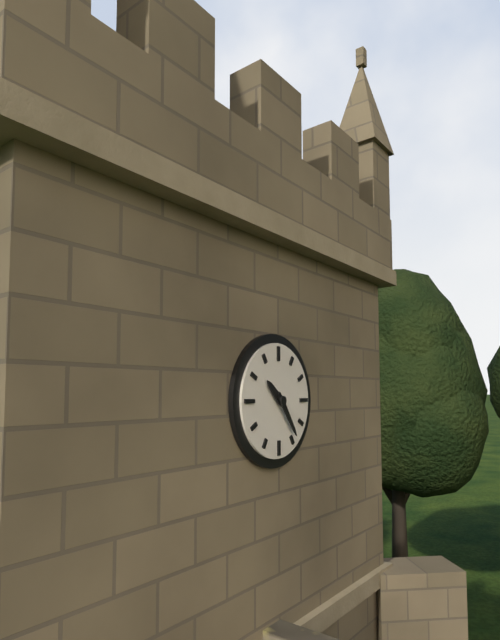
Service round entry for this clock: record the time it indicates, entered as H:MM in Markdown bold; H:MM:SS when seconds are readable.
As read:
**10:24**
